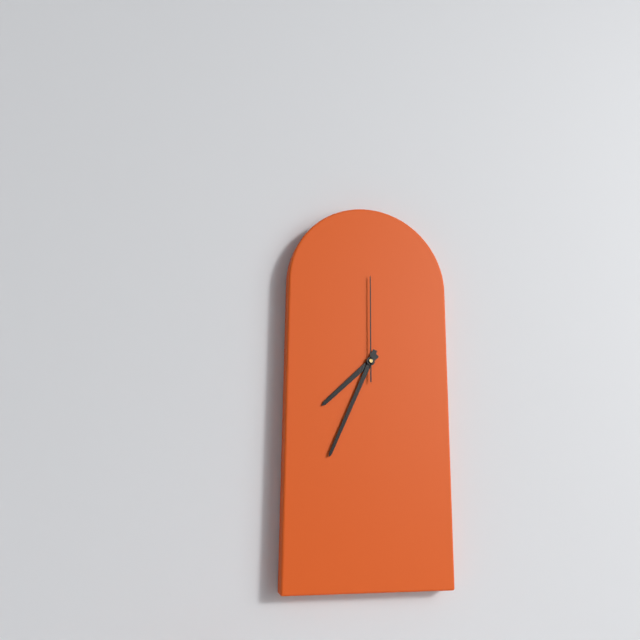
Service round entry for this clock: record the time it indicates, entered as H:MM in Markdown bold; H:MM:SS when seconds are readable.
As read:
**7:34:00**
